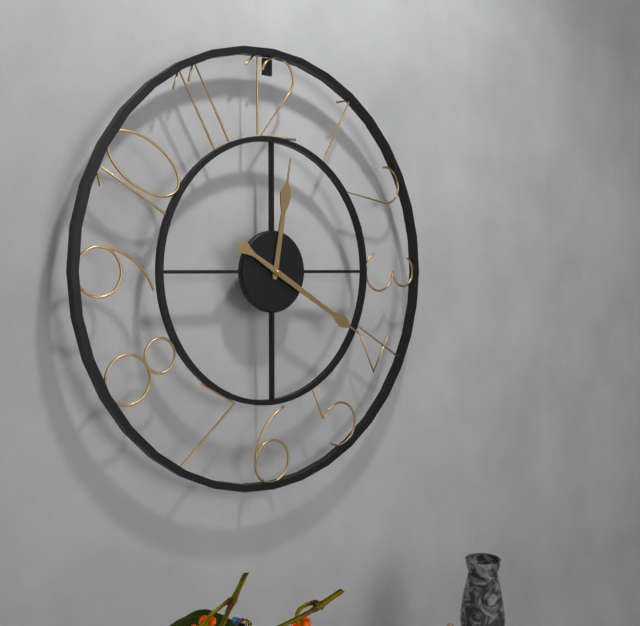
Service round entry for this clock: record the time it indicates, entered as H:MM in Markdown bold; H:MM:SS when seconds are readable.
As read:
**12:20**
